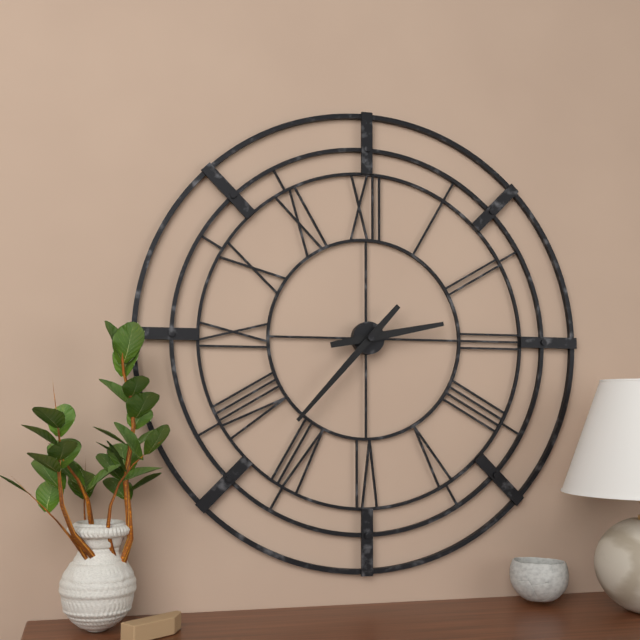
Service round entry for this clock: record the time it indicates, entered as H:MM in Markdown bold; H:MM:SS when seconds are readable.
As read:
**2:37**
